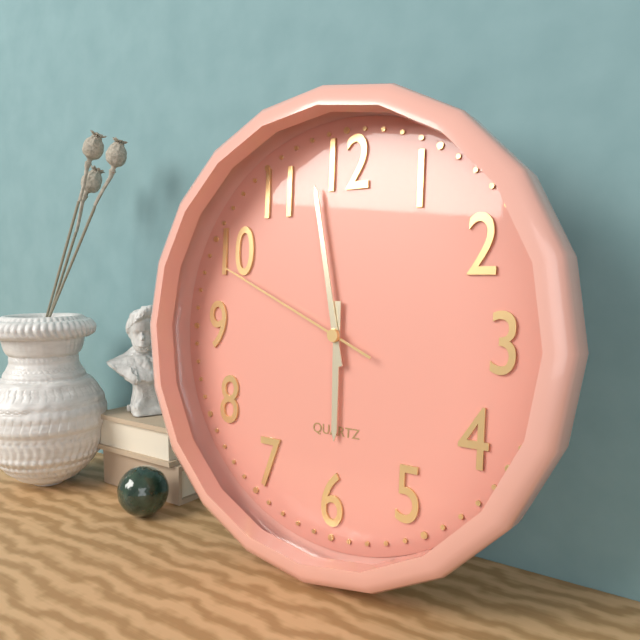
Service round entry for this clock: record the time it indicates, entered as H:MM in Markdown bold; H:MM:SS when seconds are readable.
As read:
**5:58:49**
